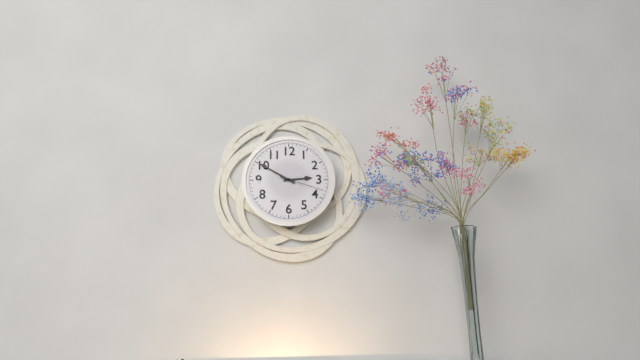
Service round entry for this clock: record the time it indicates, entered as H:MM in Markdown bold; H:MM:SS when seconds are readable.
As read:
**2:50**
